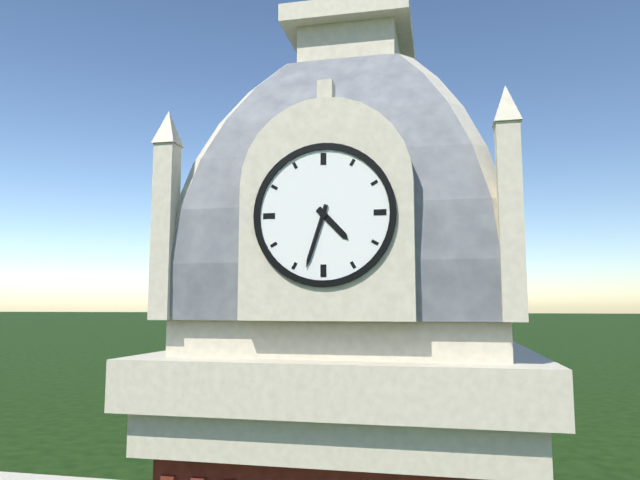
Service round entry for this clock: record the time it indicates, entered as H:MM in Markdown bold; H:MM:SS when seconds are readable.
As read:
**4:33**
